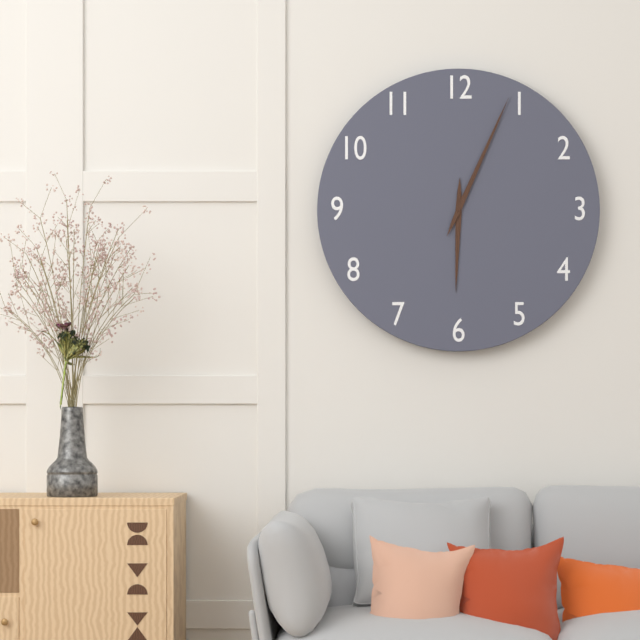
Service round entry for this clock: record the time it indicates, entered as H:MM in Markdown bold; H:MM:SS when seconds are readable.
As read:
**6:04**
